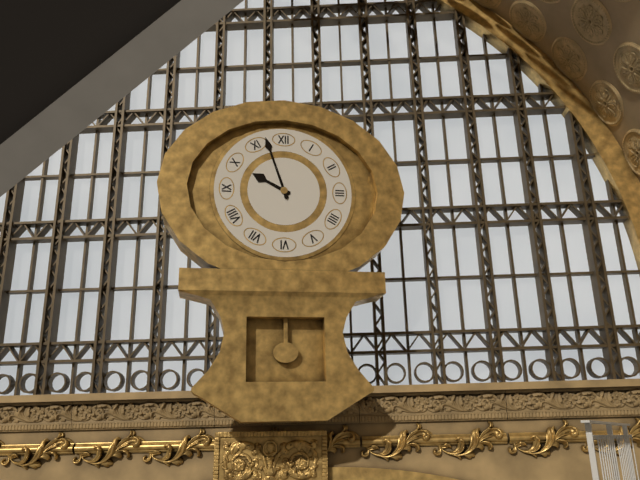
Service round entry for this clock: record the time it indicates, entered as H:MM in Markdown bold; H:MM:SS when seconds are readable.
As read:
**9:57**
